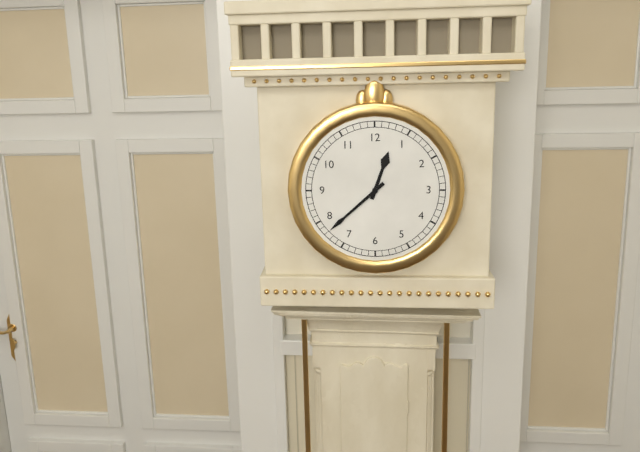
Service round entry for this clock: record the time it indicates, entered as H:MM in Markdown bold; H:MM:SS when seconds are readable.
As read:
**12:38**
